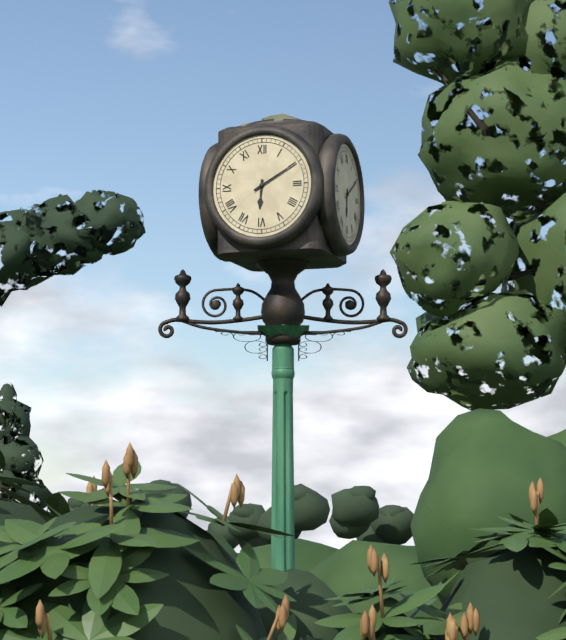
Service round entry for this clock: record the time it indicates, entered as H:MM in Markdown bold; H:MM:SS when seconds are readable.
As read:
**6:10**
